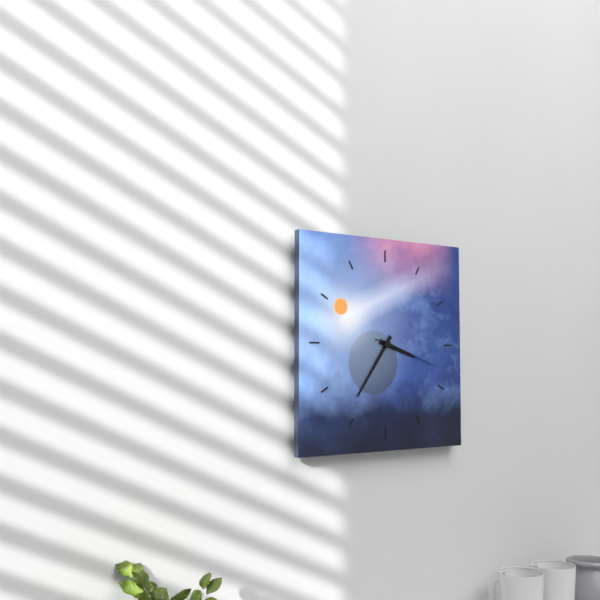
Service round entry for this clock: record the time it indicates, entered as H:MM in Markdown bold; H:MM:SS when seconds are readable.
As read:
**3:36:18**
